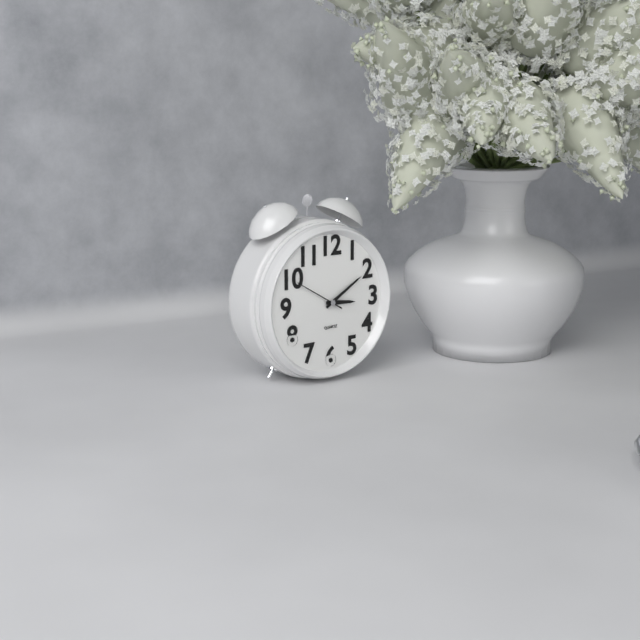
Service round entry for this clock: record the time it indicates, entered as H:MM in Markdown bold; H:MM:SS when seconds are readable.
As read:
**3:10**
